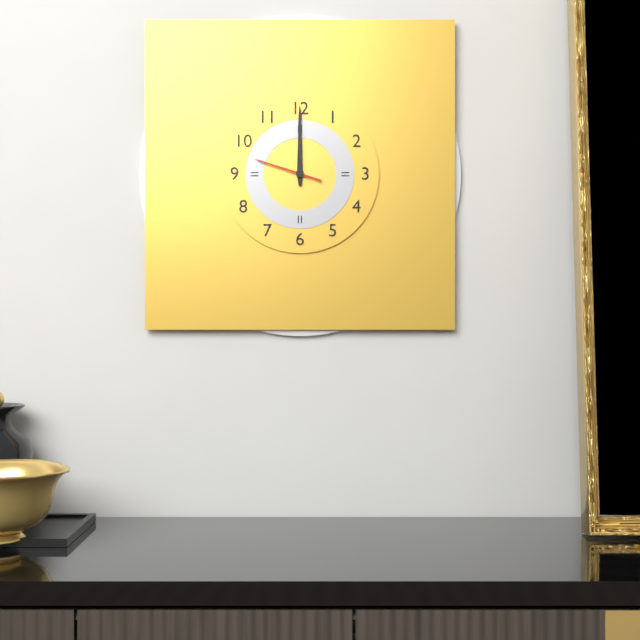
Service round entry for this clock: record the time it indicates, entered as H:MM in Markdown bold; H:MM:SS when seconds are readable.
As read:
**12:00:48**
